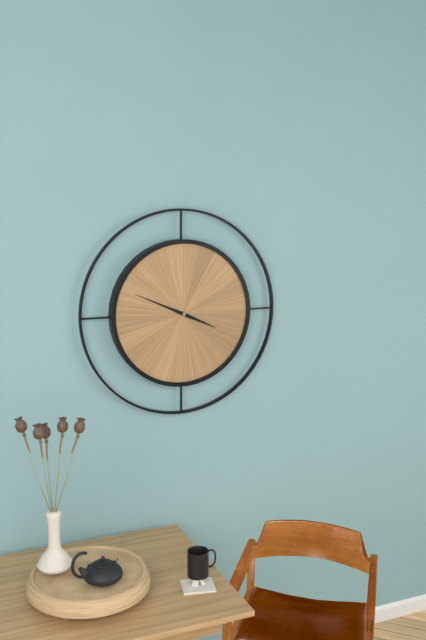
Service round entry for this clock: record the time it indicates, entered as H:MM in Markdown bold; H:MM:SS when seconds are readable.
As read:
**3:49**
